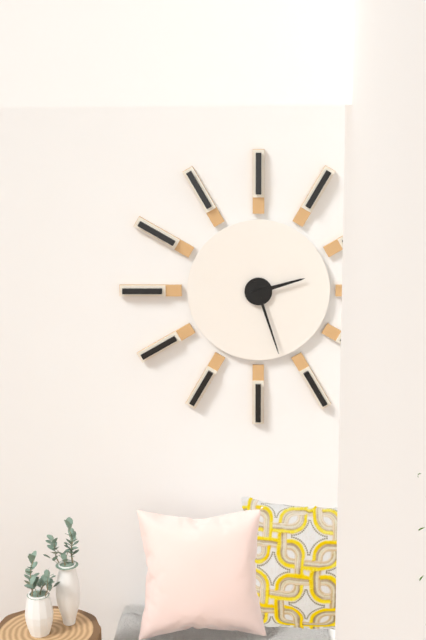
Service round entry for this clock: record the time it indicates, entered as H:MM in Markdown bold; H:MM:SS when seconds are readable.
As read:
**2:27**
